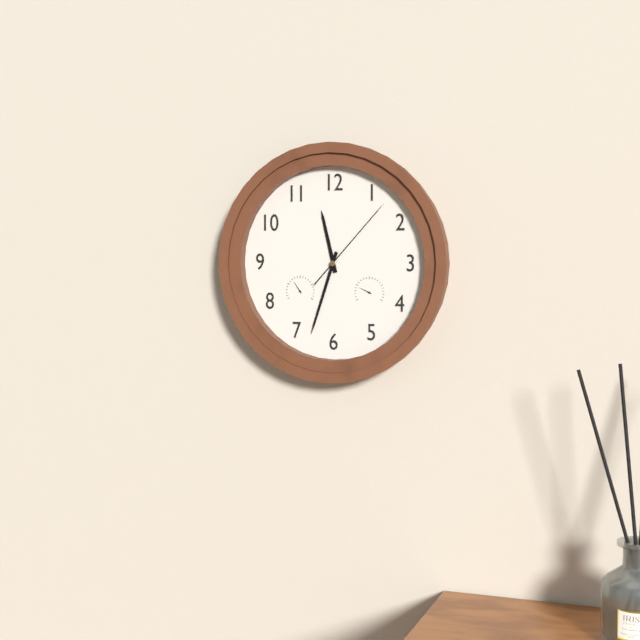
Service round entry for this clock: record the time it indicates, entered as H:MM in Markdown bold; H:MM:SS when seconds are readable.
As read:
**11:33:07**
